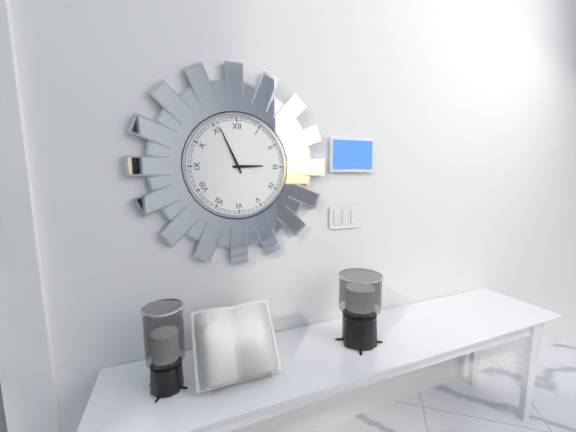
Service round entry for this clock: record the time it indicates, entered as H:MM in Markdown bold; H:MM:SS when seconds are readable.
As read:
**2:56**
